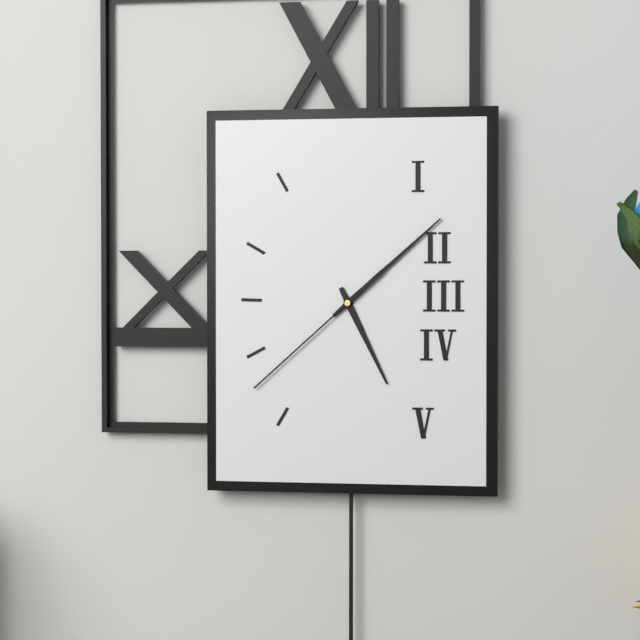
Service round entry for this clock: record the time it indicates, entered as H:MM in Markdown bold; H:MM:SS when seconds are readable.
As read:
**5:08:38**
